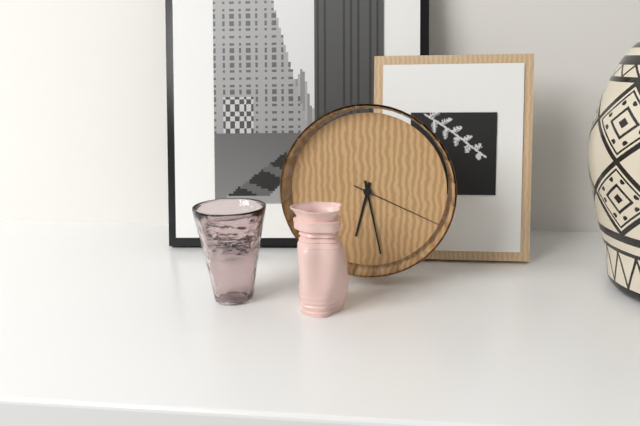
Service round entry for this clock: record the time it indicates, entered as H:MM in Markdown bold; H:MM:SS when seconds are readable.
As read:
**6:28:19**
